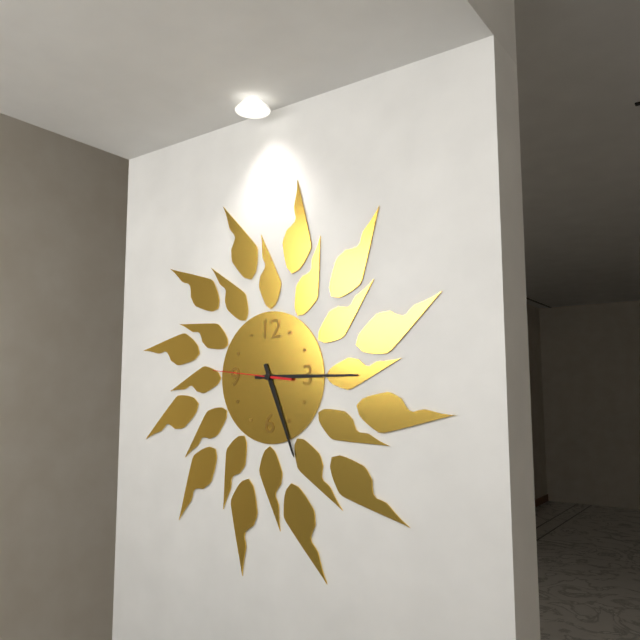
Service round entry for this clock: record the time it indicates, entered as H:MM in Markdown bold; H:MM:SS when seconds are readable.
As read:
**5:15:46**
